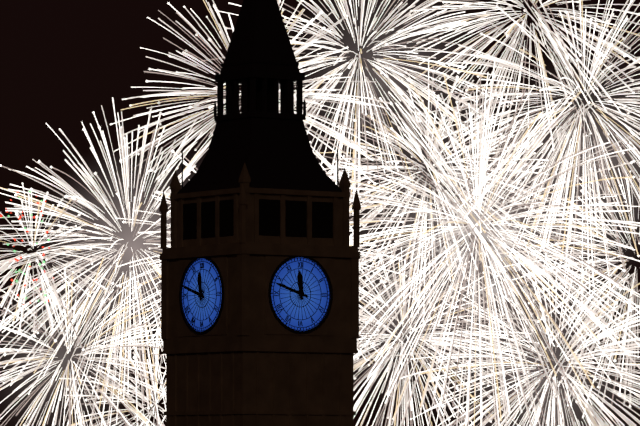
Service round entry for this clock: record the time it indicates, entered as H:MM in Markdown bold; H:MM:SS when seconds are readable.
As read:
**11:48**
